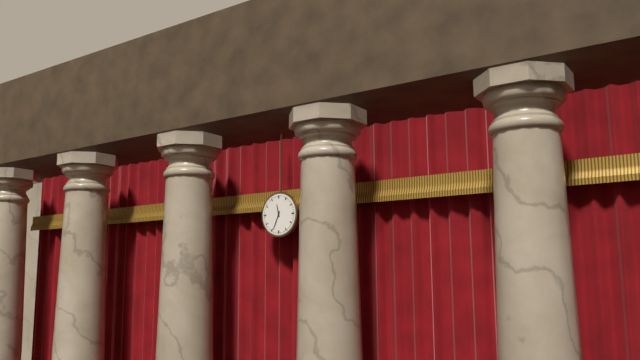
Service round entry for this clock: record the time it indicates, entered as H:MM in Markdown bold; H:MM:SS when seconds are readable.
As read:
**11:34**
